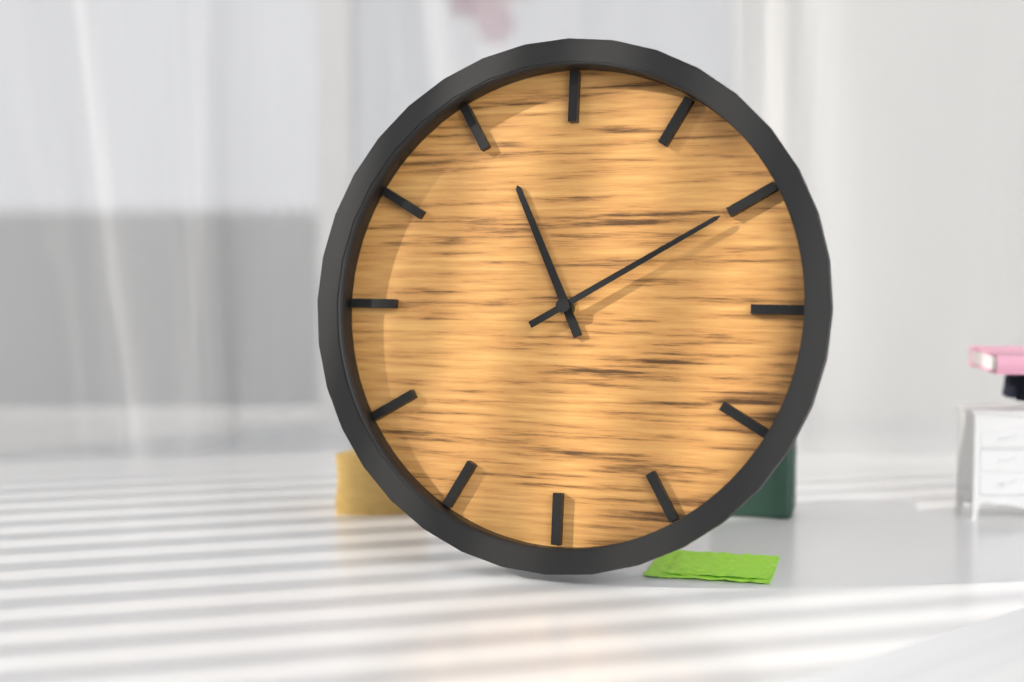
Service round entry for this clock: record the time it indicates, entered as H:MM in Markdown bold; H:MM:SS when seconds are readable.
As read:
**11:10**
